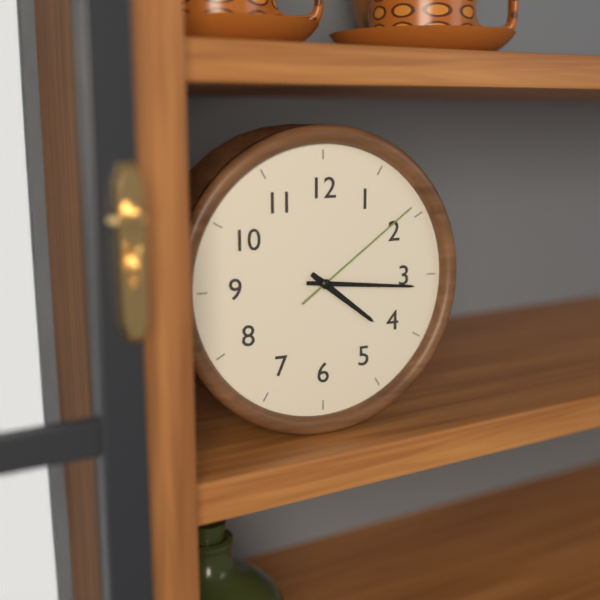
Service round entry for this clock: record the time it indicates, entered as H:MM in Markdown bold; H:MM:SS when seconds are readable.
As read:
**4:16:09**
